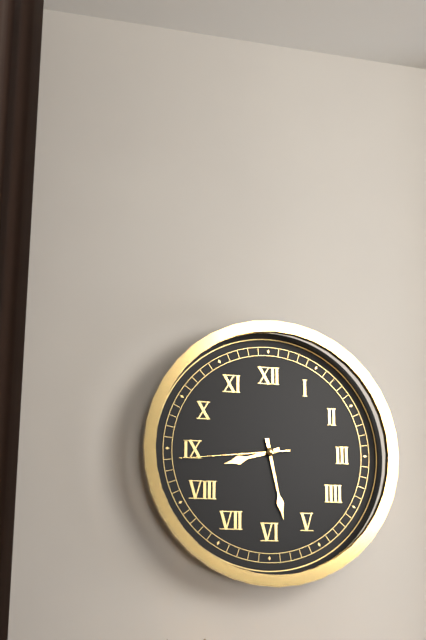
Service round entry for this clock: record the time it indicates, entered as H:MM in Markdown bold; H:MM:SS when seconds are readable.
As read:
**8:28:44**
